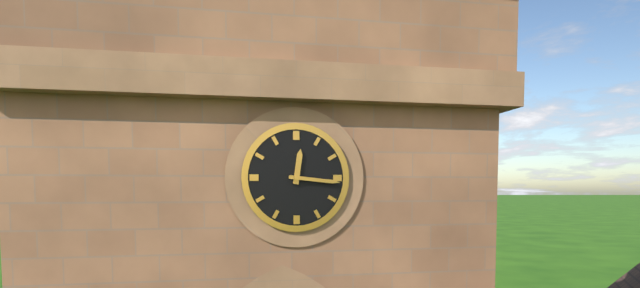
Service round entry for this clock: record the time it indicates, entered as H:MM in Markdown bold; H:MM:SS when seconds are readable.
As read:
**12:16**
